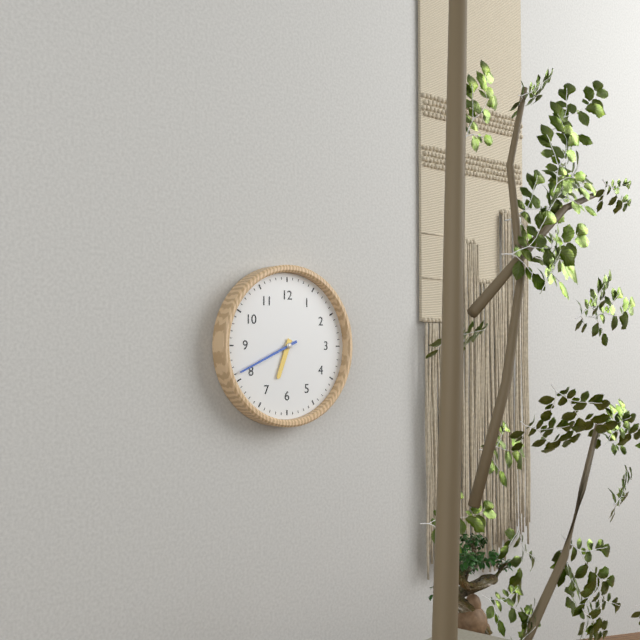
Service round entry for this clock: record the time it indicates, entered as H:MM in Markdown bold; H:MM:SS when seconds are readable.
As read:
**6:41**
